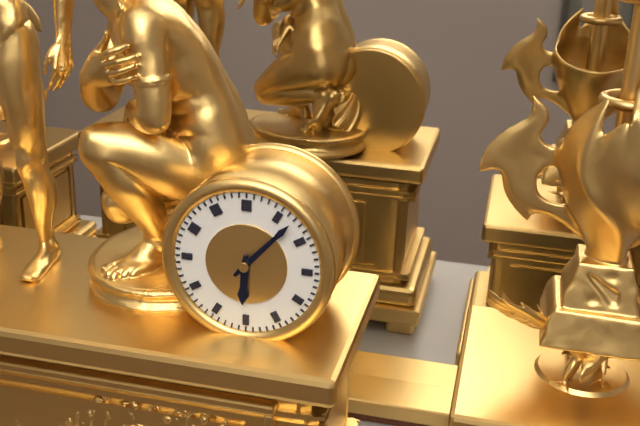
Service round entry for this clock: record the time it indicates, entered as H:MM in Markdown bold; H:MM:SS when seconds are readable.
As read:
**6:07**
